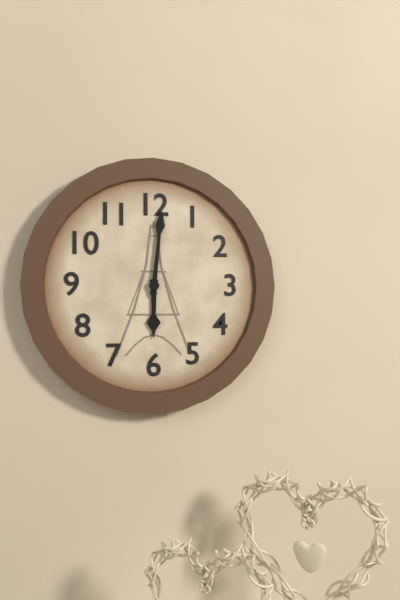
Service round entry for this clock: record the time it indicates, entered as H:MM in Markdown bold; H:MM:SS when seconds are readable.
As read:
**6:01**
